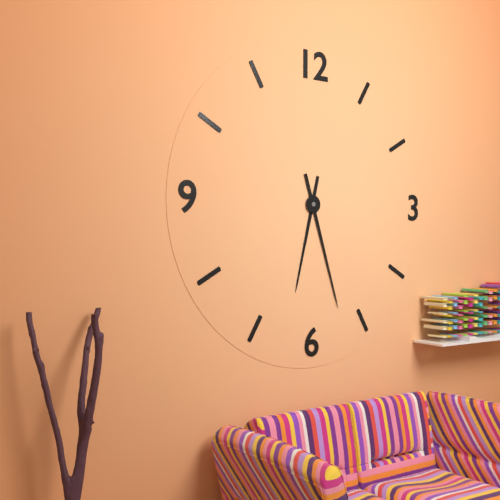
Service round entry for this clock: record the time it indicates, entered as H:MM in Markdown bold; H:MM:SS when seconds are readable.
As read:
**6:27**
